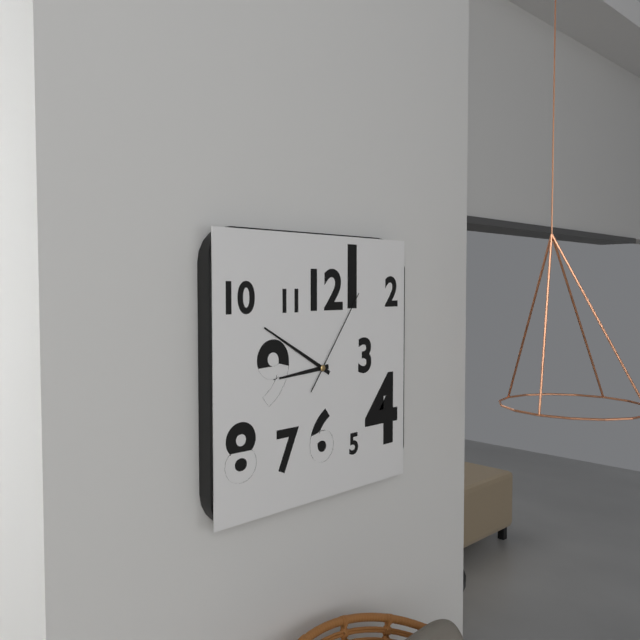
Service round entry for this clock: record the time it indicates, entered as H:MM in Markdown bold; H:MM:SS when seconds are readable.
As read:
**8:50:06**
